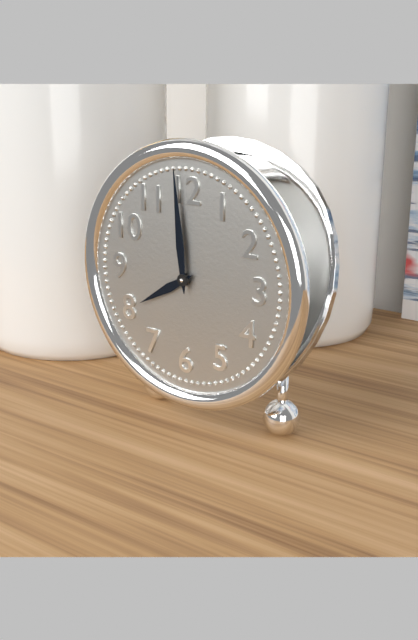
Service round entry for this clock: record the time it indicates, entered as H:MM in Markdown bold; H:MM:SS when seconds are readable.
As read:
**7:59**
